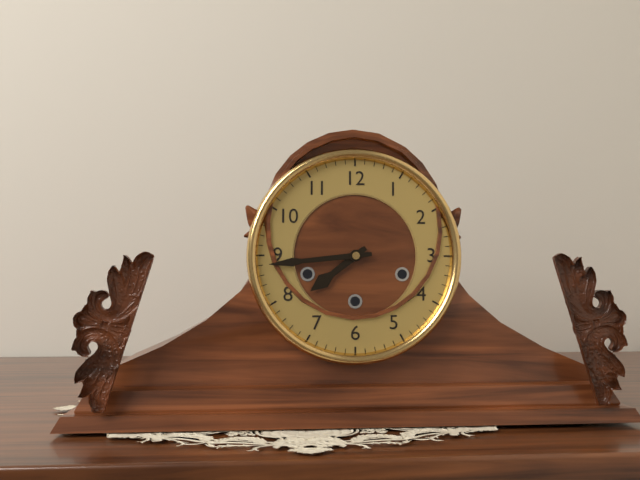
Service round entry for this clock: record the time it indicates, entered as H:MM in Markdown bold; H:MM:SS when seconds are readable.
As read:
**7:44**
